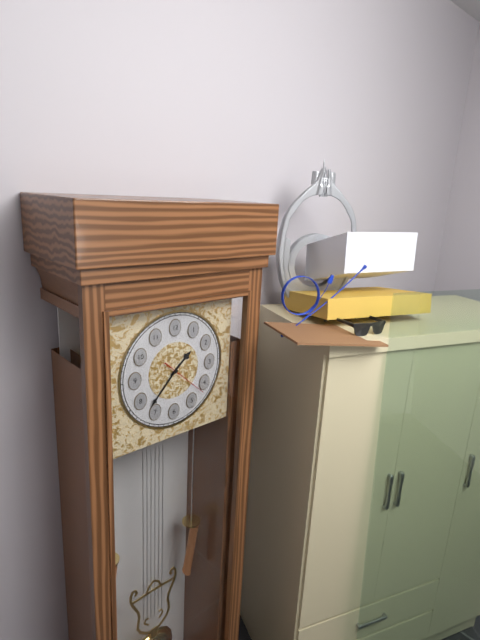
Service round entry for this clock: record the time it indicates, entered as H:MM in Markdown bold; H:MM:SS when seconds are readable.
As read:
**1:37**
